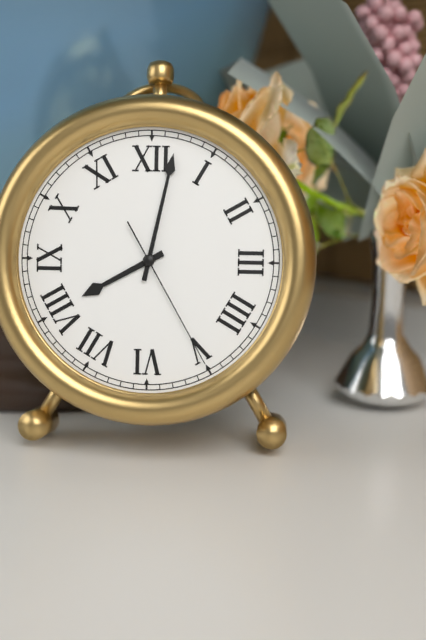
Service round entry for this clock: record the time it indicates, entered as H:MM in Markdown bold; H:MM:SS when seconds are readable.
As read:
**8:02:25**
